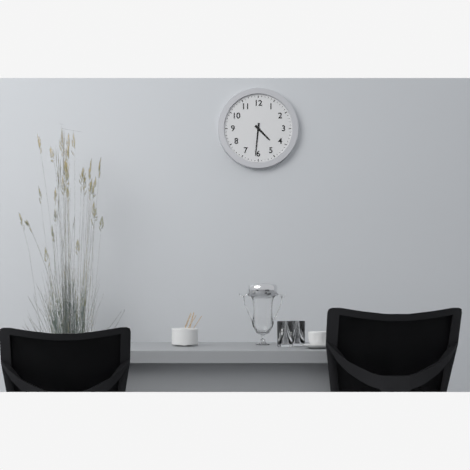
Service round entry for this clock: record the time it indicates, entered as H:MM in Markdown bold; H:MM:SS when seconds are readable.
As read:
**4:31**
